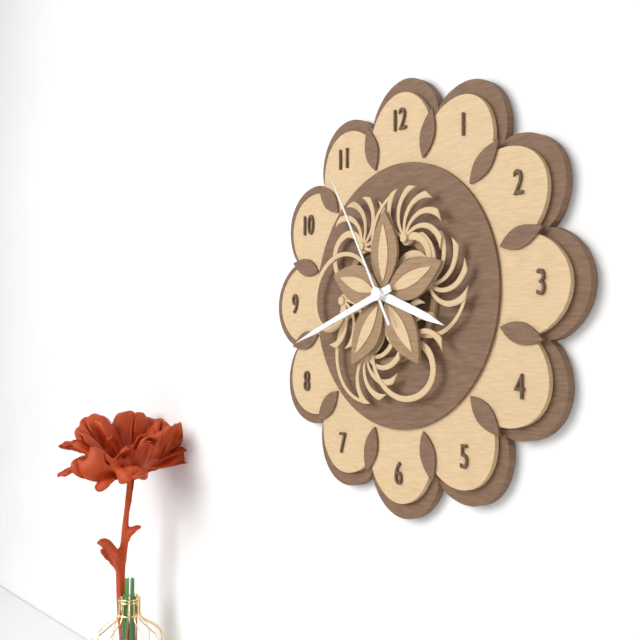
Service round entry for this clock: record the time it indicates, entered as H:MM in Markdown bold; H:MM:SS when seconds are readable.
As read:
**3:42:55**
